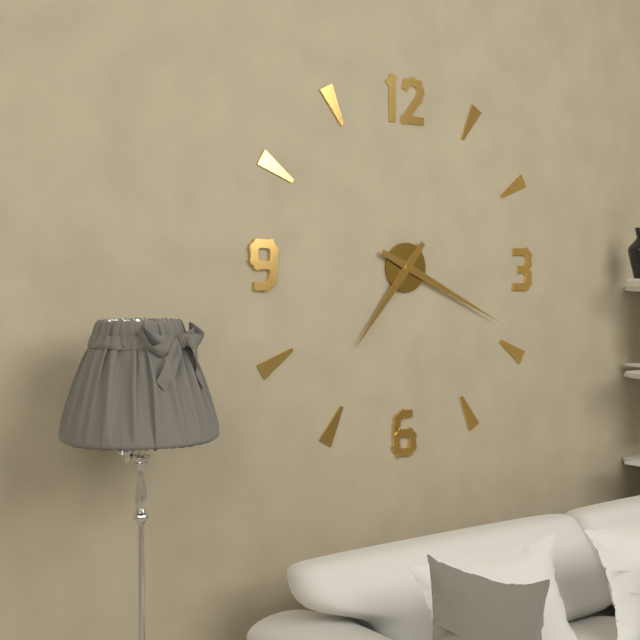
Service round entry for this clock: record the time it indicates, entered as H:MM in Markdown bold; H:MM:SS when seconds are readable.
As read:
**7:19**
